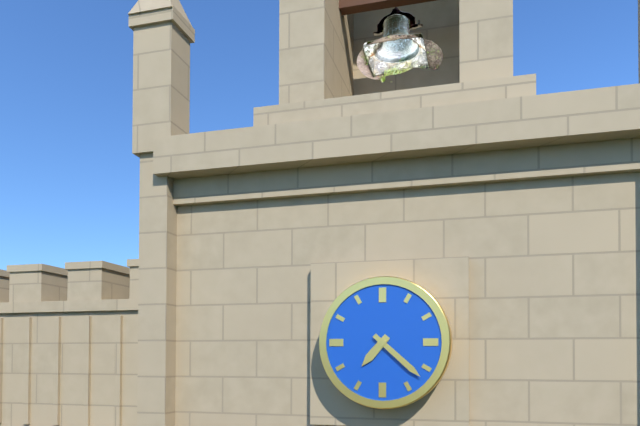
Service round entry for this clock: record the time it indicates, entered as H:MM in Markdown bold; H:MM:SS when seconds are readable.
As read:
**7:22**
